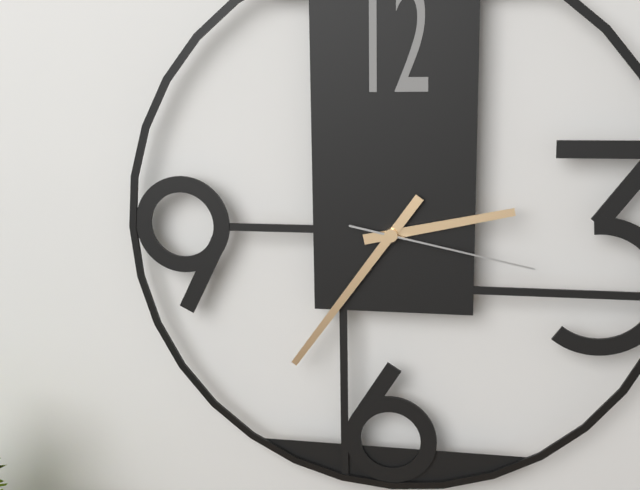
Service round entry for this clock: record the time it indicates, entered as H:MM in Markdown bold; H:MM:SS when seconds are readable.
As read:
**2:36:17**
